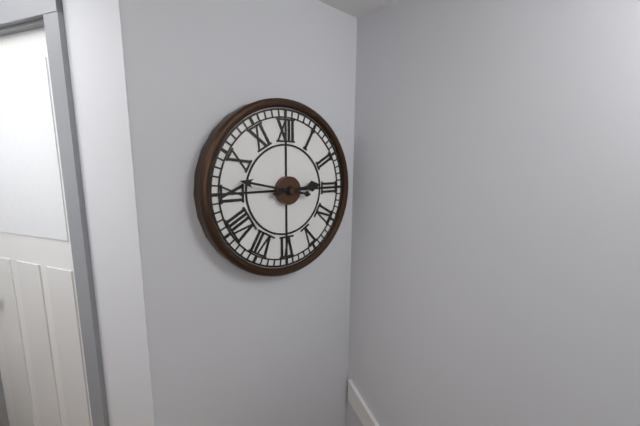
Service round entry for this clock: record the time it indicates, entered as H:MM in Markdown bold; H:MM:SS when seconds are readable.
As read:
**2:47**
